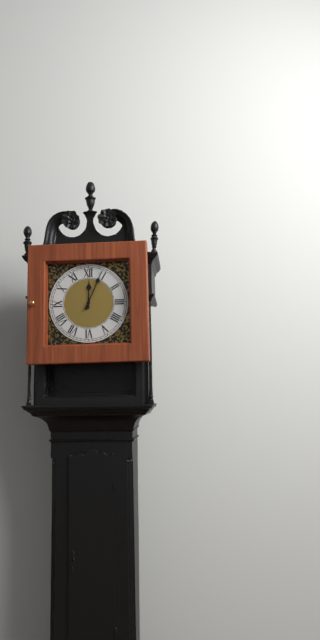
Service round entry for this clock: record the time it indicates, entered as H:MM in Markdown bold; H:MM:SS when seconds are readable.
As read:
**12:04**
